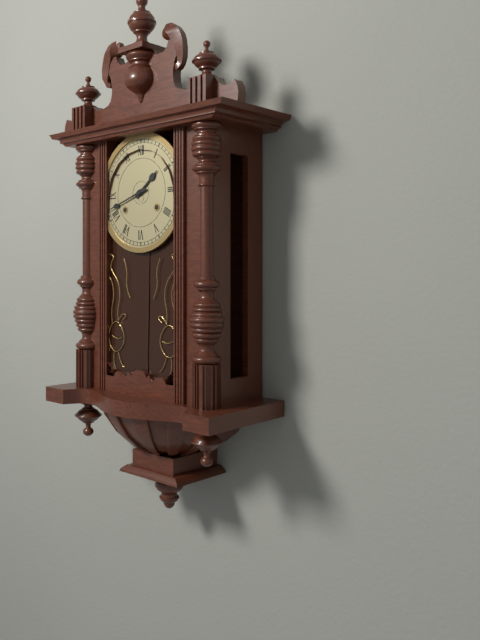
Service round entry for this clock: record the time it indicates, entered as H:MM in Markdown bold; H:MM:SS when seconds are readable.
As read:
**1:42**
